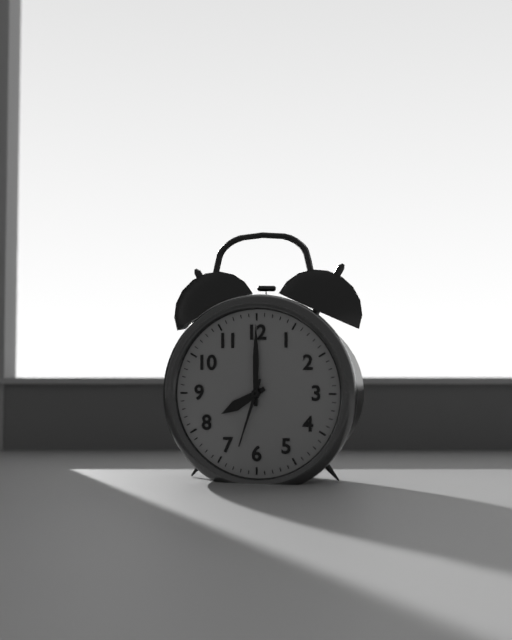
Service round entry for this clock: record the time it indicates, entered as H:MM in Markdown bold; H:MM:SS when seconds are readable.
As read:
**8:00:33**
